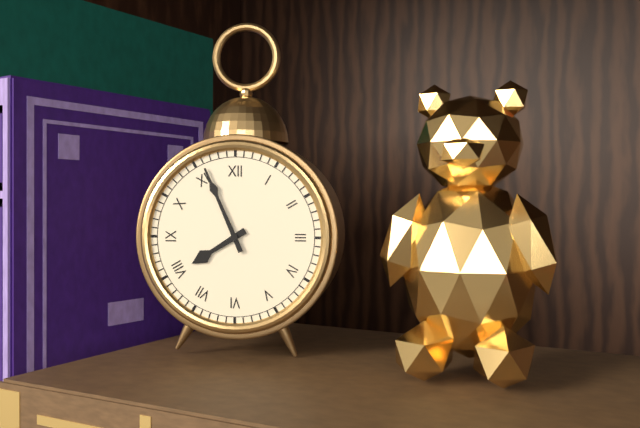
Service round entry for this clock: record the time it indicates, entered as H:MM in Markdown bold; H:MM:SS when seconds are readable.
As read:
**7:56**
